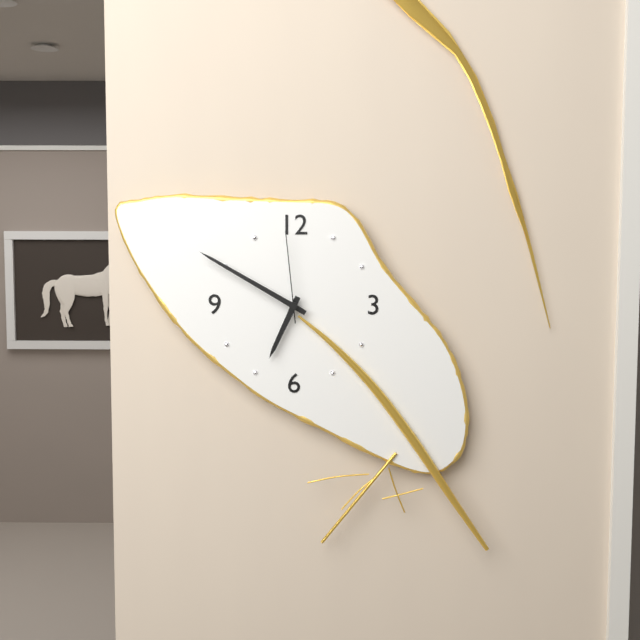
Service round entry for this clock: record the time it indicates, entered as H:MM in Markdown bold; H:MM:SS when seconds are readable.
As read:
**6:50:59**
